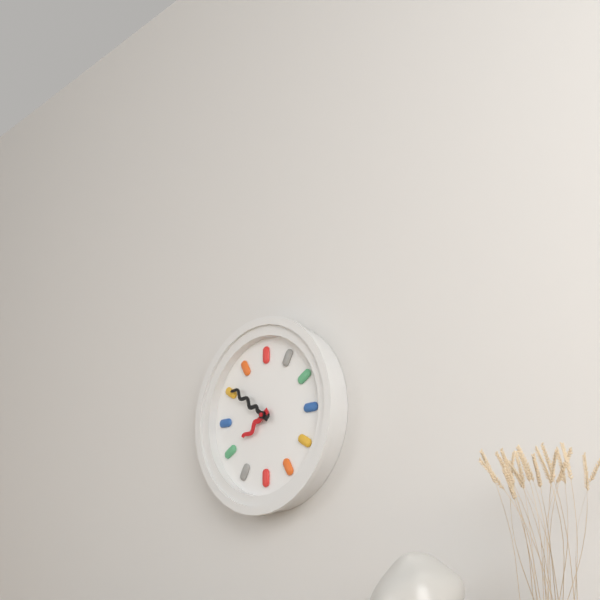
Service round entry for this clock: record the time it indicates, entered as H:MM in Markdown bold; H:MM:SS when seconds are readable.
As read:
**7:51**
